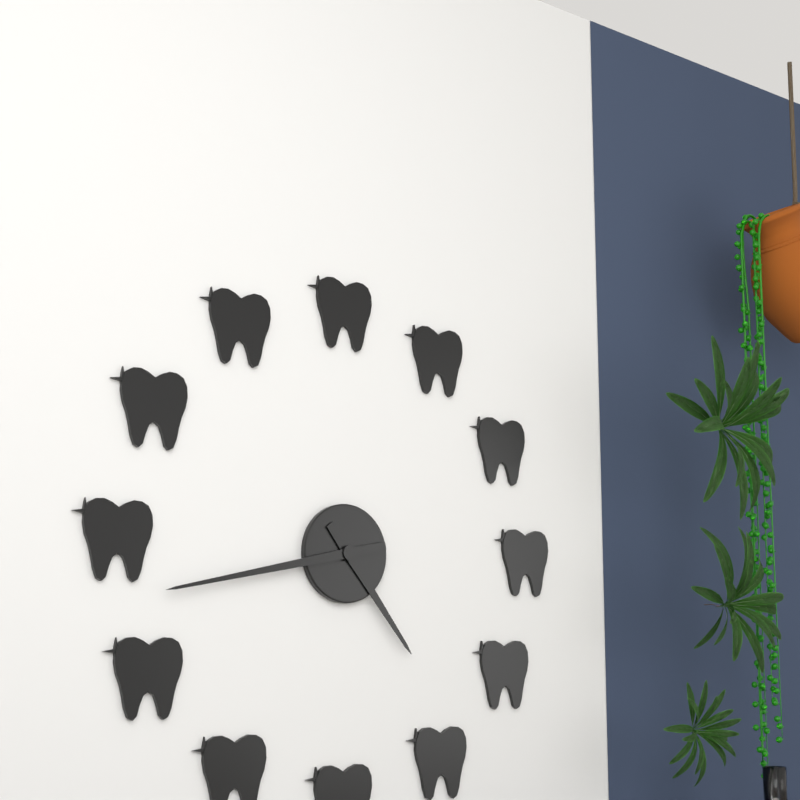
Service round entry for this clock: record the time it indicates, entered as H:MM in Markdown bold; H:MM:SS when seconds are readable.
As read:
**4:43**
